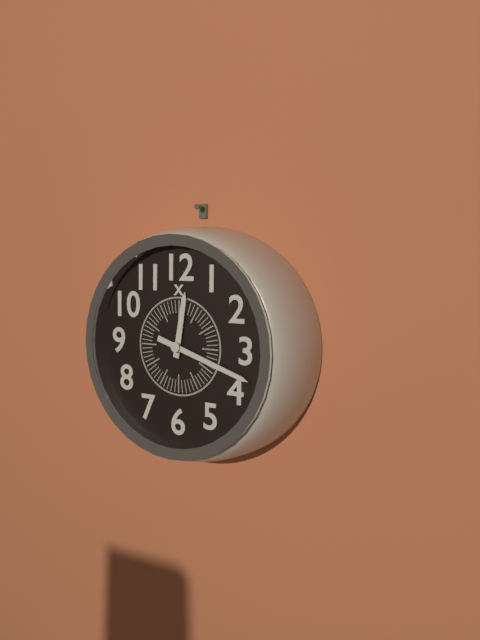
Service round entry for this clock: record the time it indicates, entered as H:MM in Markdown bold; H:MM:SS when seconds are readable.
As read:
**12:18**
